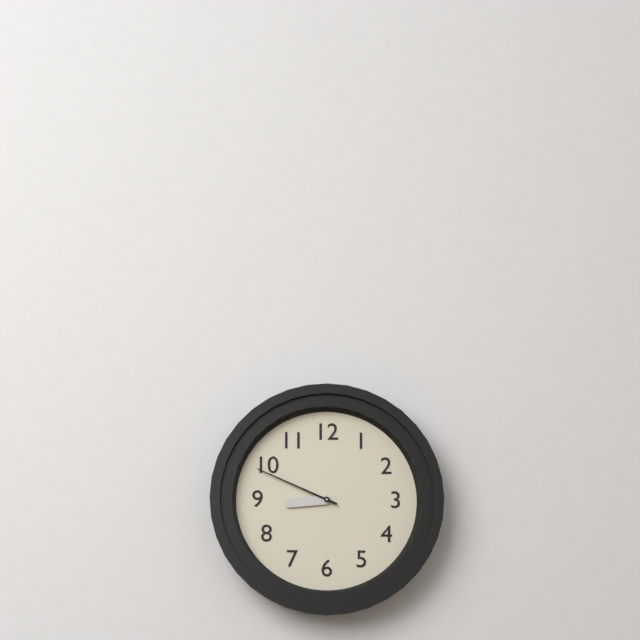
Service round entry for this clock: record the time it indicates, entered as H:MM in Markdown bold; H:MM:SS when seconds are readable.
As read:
**8:49**
